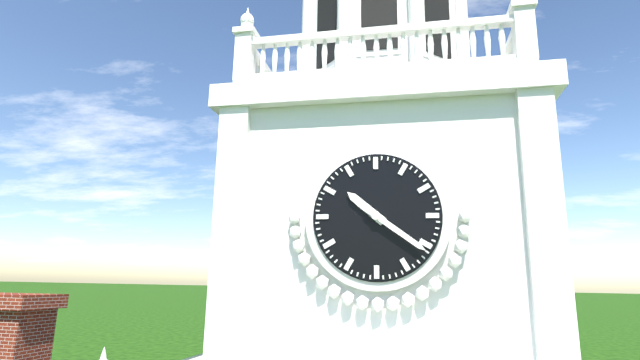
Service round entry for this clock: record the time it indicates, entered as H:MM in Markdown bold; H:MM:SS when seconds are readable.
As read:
**10:21**
